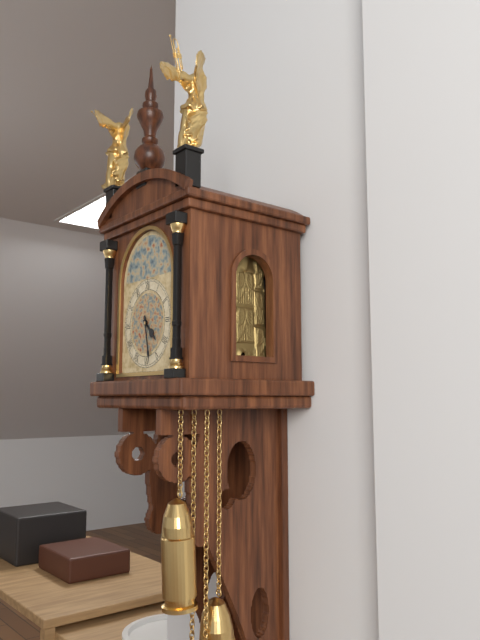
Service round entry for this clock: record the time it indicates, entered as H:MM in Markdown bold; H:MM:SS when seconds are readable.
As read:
**4:28**
